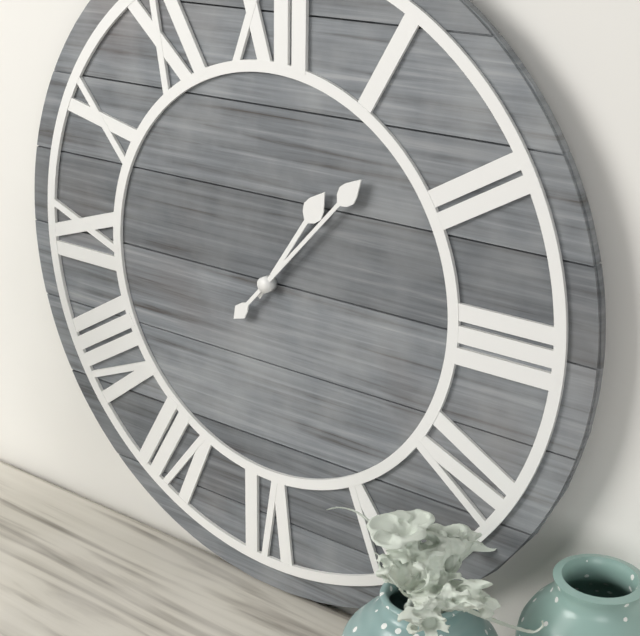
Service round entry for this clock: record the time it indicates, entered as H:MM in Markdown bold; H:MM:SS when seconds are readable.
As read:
**1:07**
